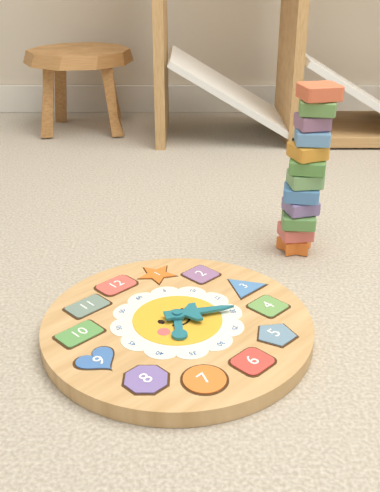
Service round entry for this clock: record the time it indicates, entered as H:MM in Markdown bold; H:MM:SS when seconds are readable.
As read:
**7:20**
